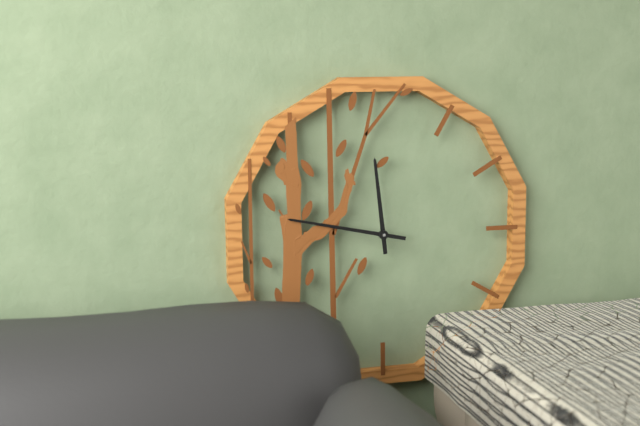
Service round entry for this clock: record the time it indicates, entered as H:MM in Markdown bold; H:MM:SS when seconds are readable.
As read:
**11:47**
